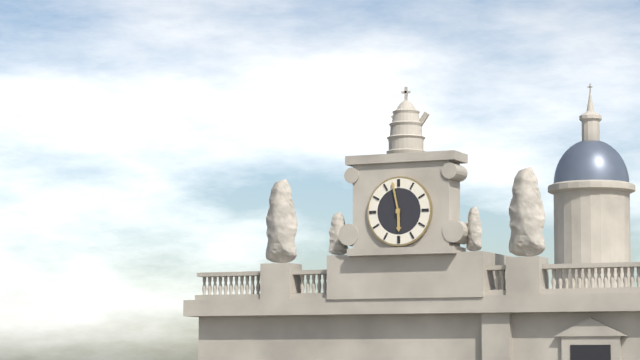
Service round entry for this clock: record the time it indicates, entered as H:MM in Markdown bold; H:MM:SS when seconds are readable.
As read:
**5:58**
